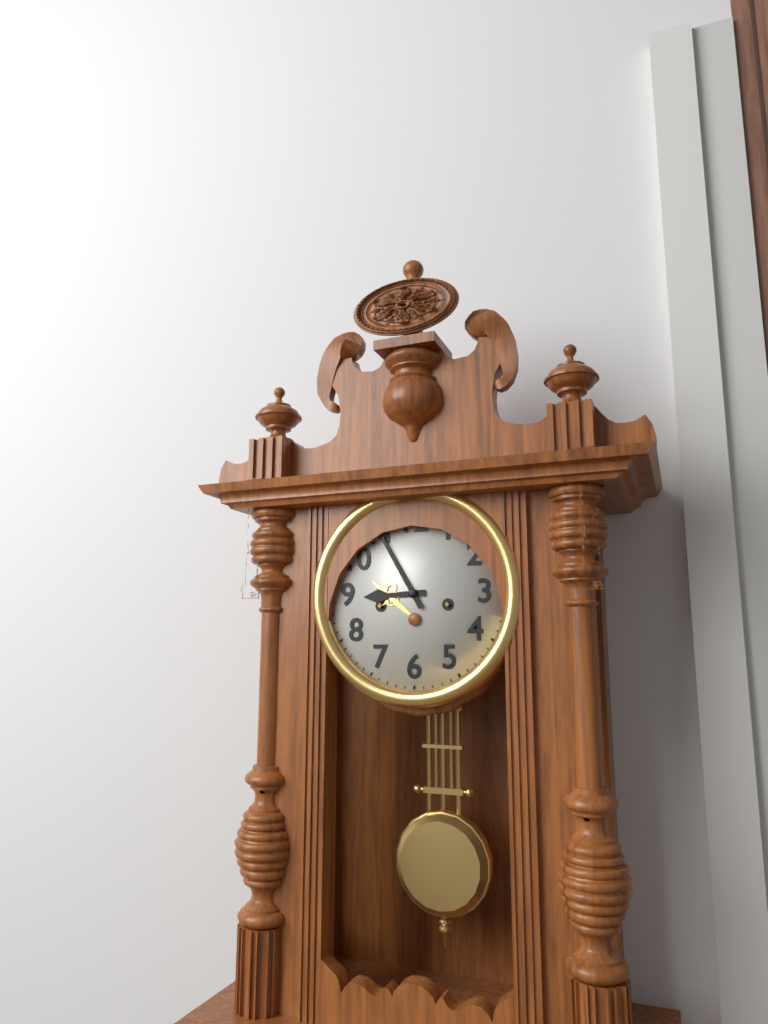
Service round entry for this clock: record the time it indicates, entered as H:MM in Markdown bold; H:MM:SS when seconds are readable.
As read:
**8:55**
